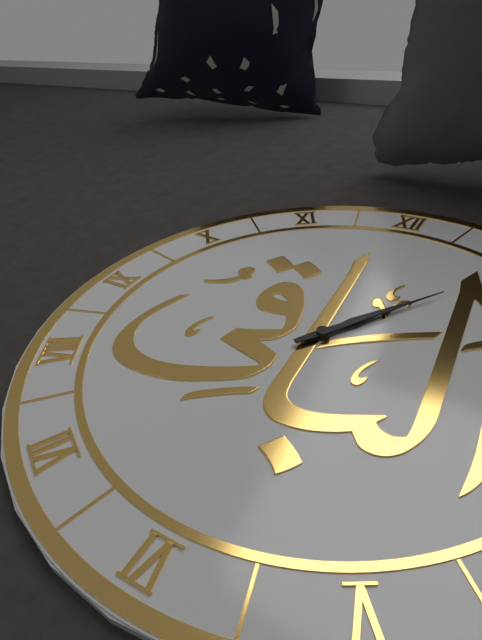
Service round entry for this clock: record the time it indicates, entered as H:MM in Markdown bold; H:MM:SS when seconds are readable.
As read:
**1:06**
